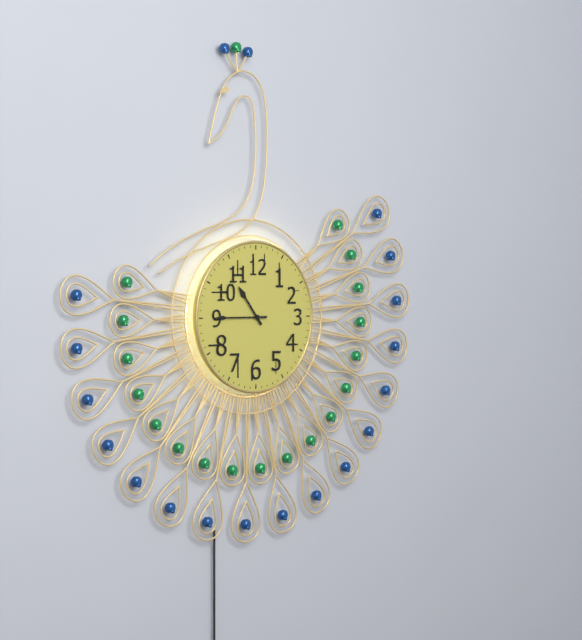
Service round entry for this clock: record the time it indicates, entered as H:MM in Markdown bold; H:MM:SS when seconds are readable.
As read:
**10:45**
